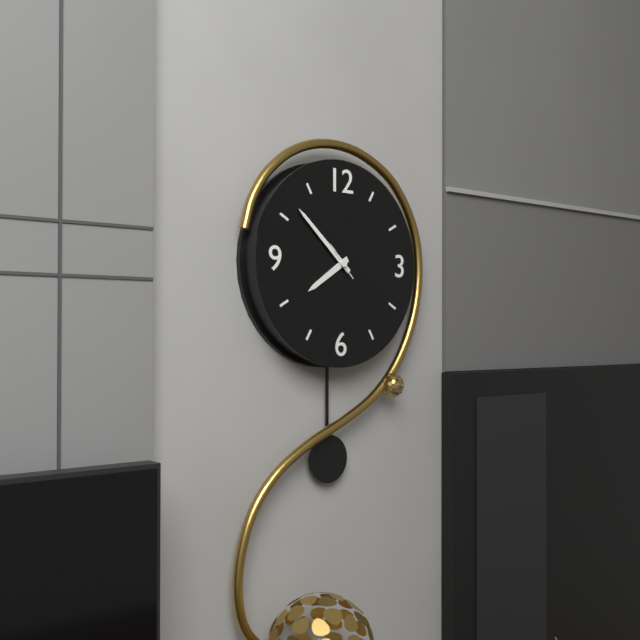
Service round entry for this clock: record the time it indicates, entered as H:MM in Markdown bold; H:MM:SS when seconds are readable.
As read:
**7:52**
